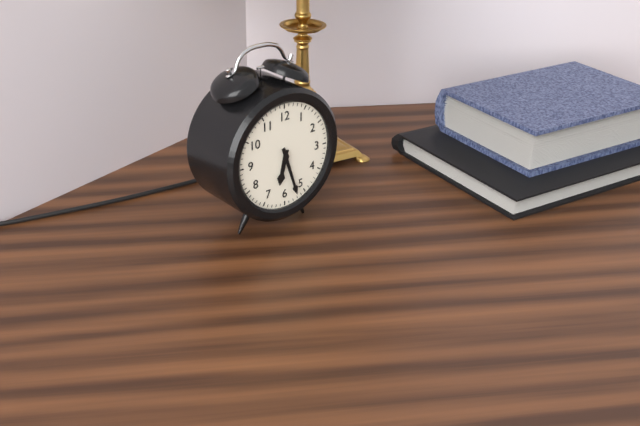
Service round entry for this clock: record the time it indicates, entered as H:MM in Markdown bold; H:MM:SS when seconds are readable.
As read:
**6:27**
